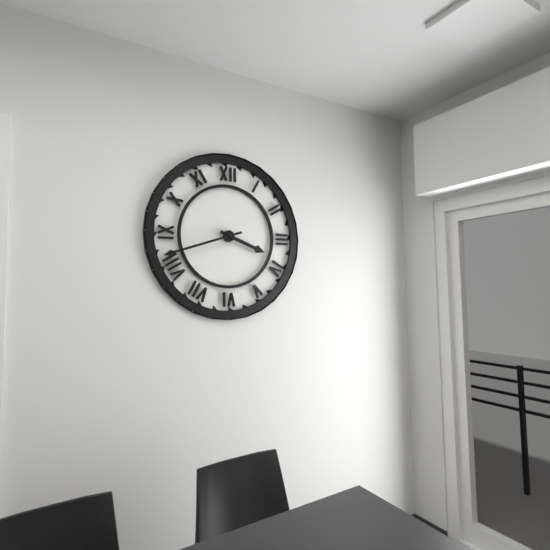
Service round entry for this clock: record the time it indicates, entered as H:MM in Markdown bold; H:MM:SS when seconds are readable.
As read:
**3:42**
